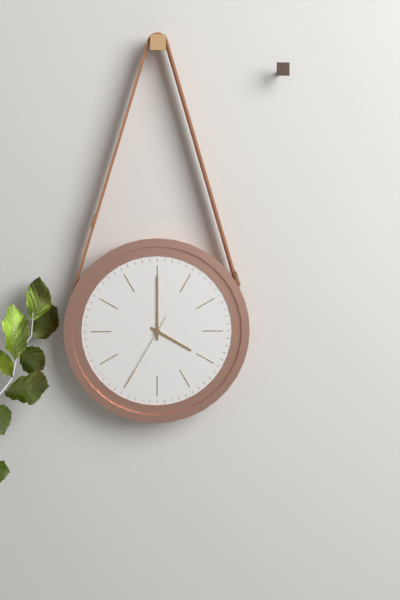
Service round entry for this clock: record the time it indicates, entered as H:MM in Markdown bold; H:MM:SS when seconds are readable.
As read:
**4:00:35**
